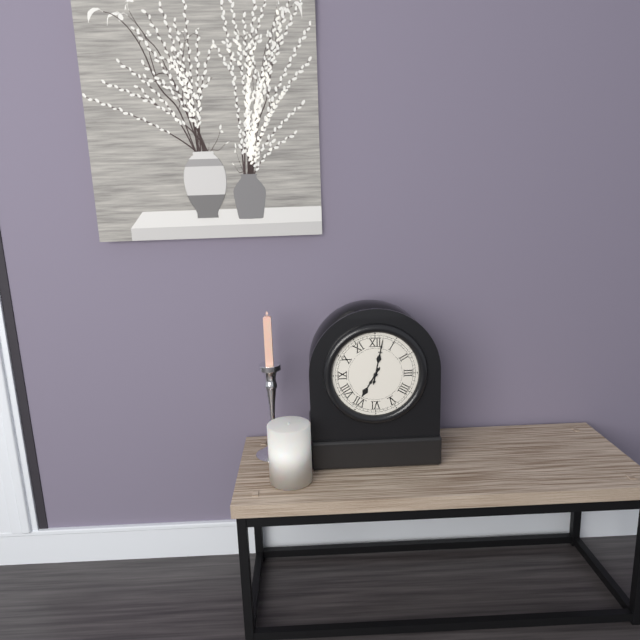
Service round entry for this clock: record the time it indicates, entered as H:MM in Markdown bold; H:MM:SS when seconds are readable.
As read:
**7:02**
